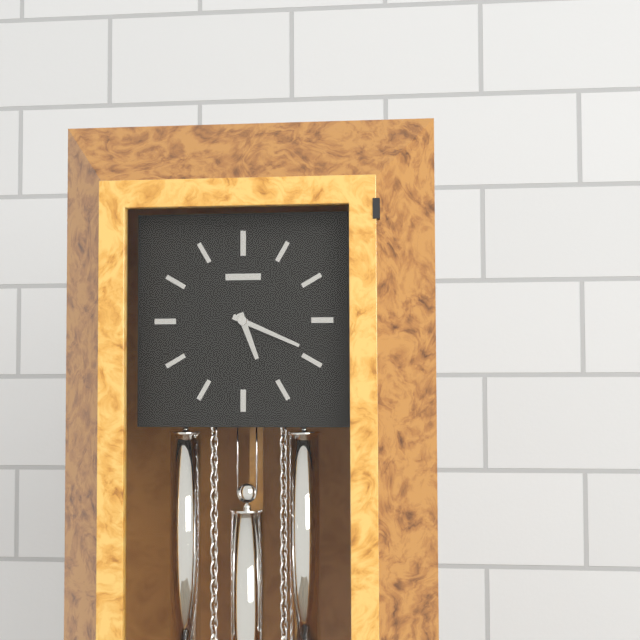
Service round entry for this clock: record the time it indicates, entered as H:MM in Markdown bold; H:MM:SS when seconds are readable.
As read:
**5:19**
